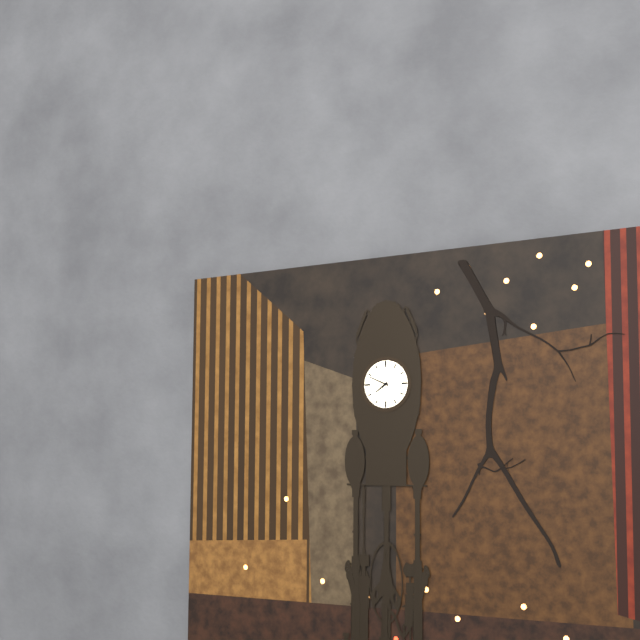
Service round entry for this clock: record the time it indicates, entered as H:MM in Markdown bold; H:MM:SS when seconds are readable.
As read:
**7:49**
